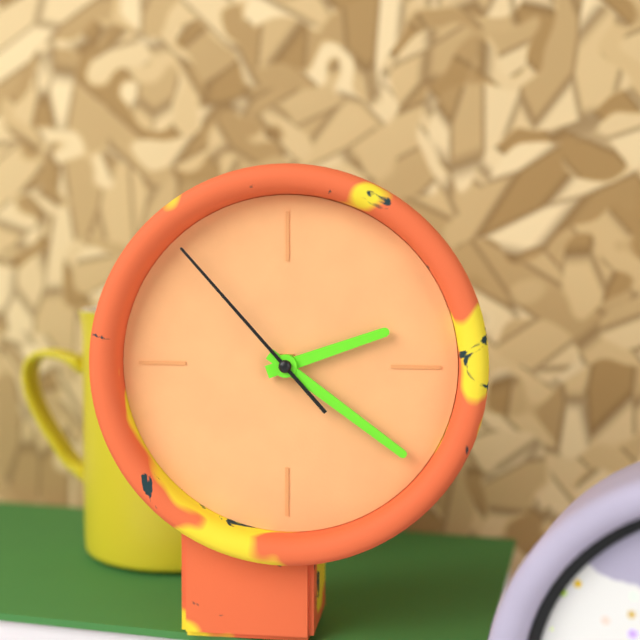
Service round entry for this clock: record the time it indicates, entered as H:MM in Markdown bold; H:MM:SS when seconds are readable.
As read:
**2:21:53**
